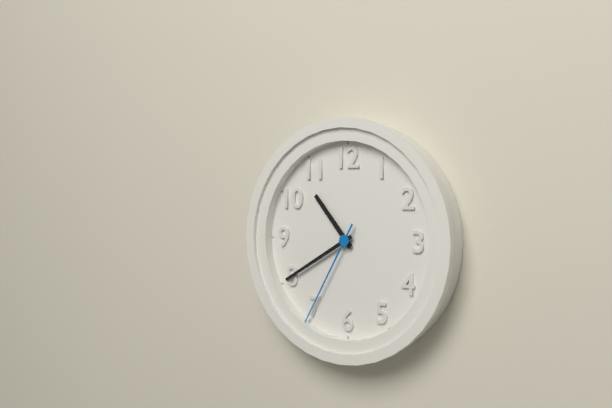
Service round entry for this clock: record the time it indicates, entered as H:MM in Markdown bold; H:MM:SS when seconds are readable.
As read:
**10:40:35**
